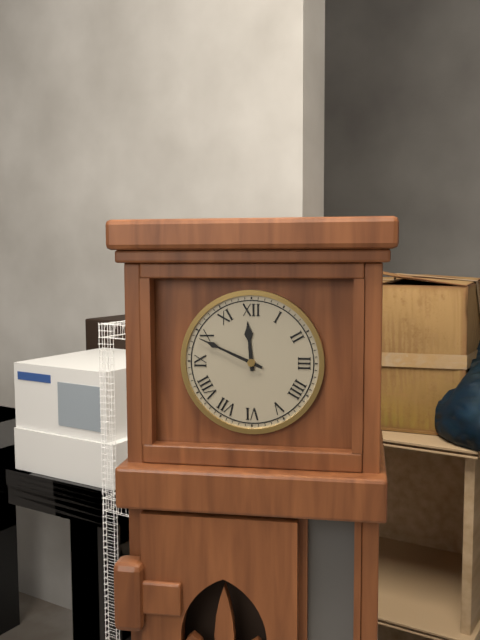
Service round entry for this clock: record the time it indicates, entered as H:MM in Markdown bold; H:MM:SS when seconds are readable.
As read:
**11:49**
